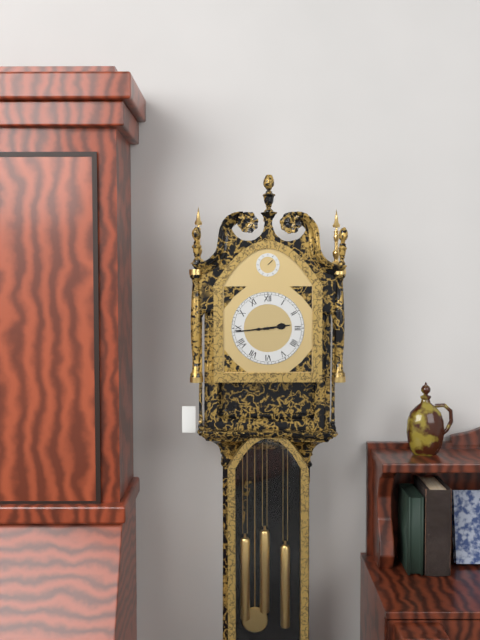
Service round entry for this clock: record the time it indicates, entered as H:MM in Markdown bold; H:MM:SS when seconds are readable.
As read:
**2:44**
